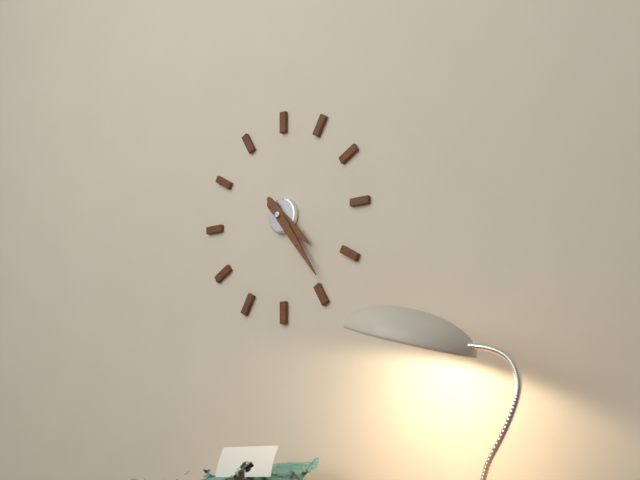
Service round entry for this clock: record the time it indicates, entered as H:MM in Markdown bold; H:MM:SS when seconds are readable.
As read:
**4:24**
